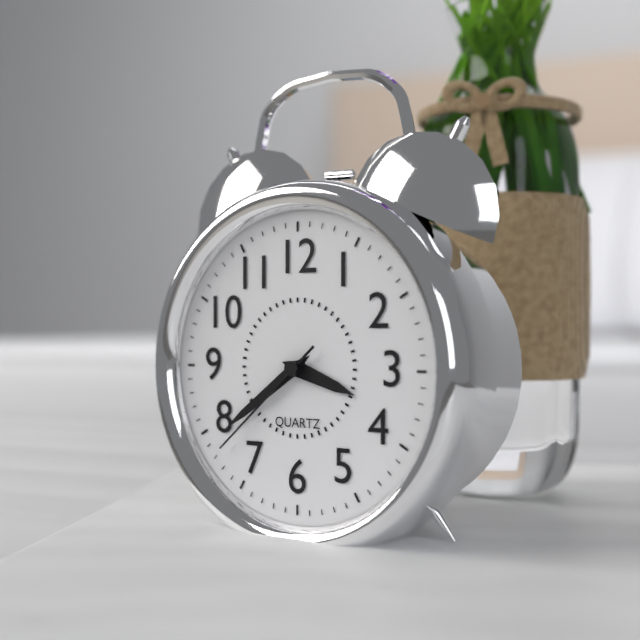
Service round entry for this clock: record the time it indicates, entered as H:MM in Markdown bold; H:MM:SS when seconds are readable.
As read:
**3:39:38**
